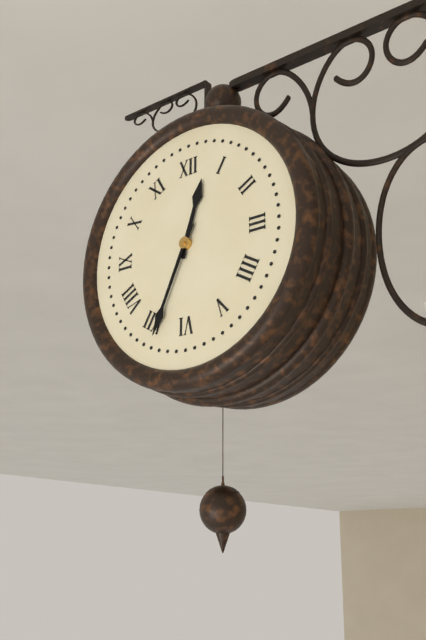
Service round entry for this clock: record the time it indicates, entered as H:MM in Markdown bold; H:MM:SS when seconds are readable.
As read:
**12:34**
